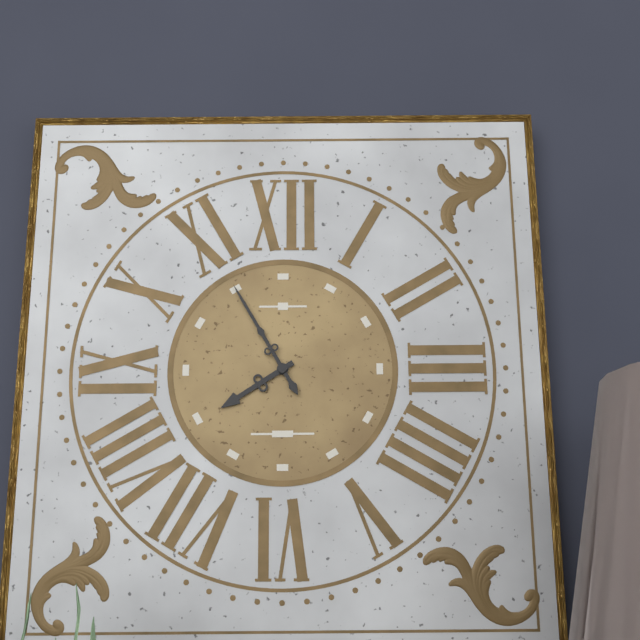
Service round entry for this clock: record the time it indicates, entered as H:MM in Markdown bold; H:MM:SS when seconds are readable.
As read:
**7:55**
